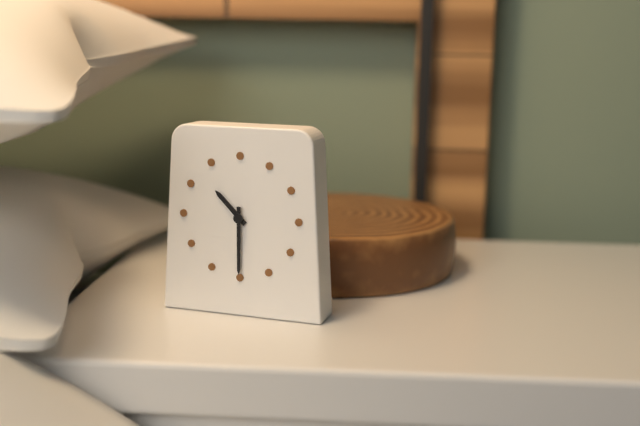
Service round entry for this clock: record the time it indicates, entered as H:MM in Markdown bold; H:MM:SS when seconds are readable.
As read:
**10:30**
